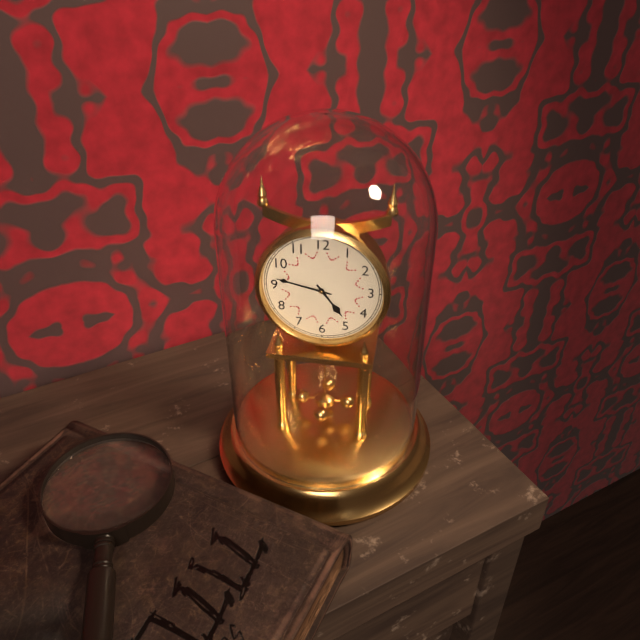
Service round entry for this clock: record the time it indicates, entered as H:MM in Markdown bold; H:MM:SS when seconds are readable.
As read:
**4:47**
